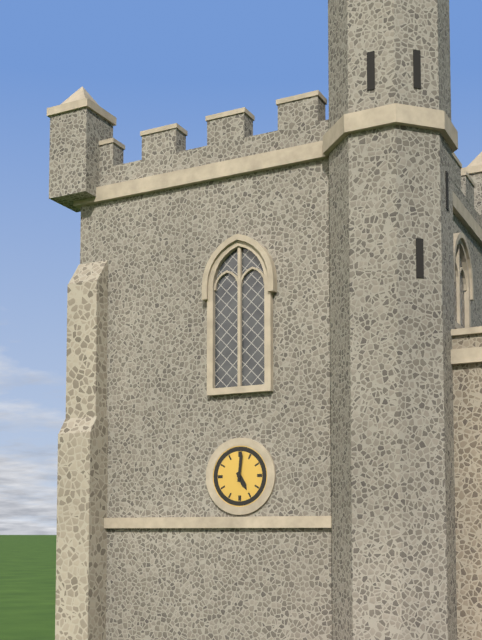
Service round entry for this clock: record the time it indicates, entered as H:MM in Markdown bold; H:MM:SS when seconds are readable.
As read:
**5:01**
